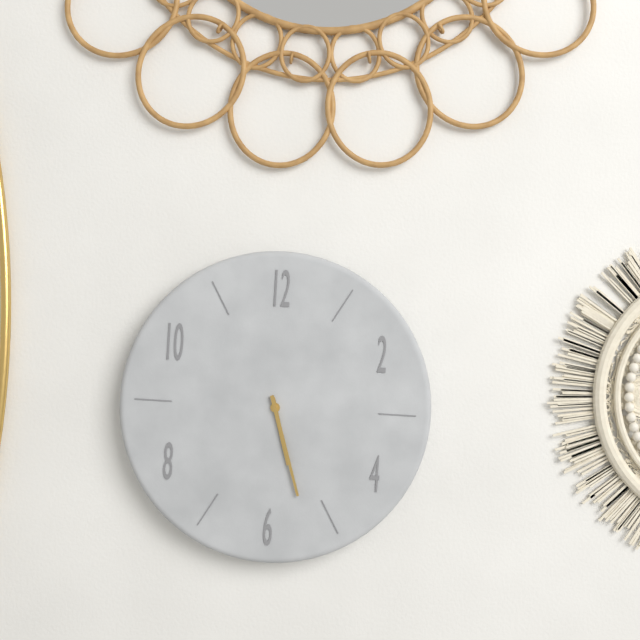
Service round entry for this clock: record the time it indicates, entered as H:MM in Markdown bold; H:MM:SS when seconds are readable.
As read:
**5:27**
